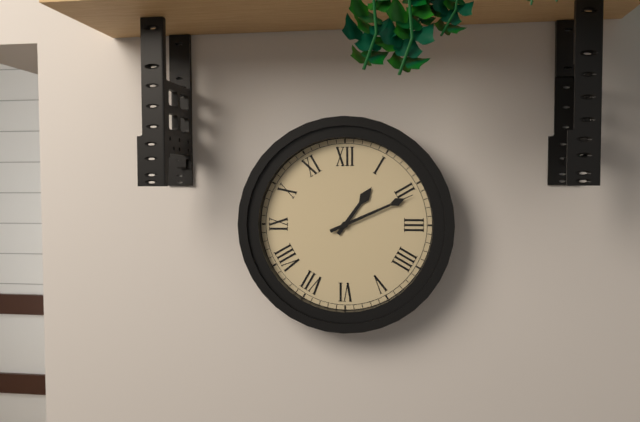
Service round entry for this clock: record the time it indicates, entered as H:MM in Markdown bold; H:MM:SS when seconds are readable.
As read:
**1:11**
